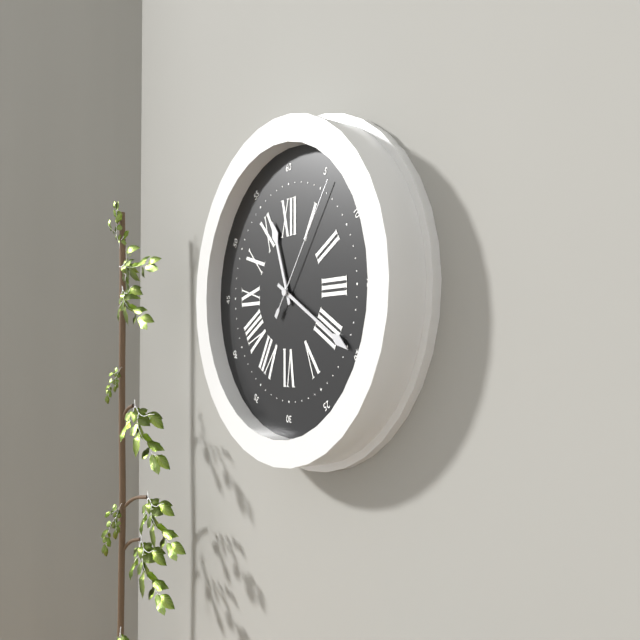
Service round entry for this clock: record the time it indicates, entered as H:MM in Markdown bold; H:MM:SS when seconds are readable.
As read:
**11:20:06**
